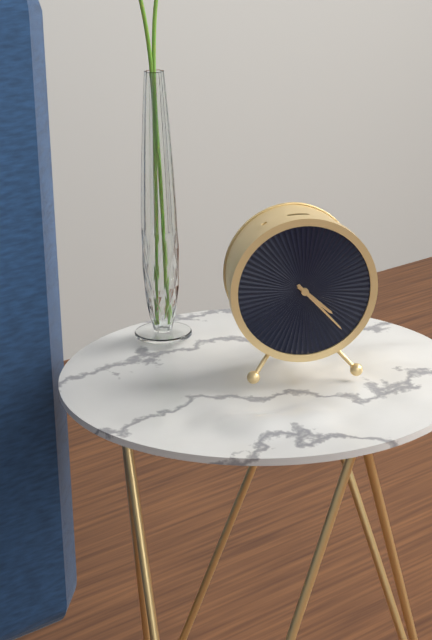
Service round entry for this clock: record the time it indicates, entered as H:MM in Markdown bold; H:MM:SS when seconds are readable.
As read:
**4:23**
